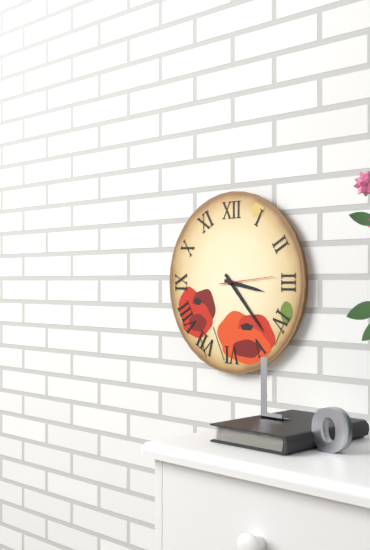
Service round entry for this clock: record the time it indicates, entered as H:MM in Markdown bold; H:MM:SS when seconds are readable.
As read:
**3:23:14**
